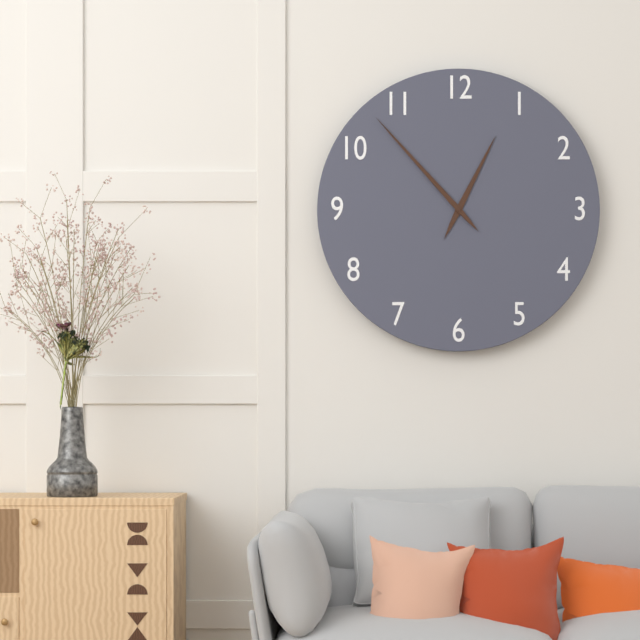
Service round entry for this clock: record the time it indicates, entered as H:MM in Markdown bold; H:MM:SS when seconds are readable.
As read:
**12:53**
